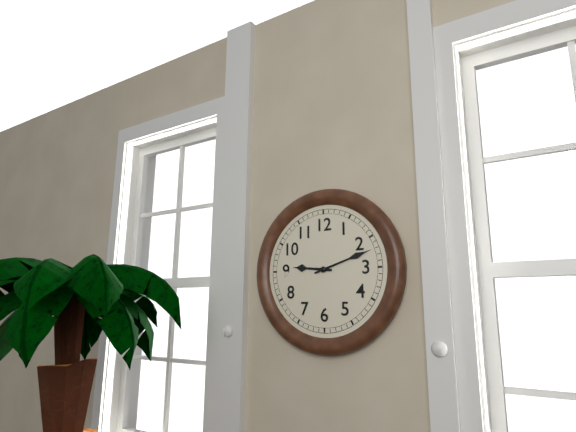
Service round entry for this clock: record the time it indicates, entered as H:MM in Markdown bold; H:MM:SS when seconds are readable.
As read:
**9:12**
